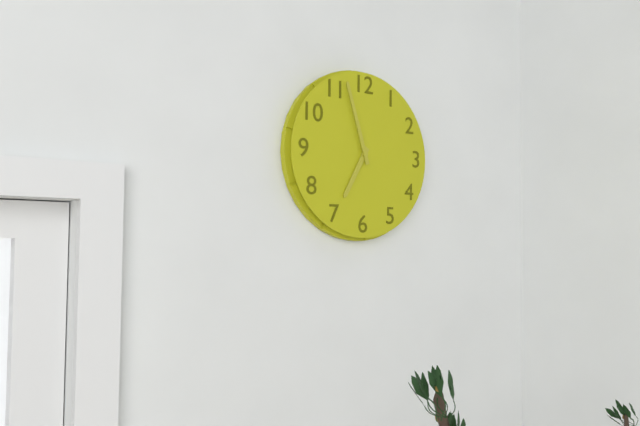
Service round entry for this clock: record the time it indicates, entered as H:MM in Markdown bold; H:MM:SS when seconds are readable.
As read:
**6:57**
